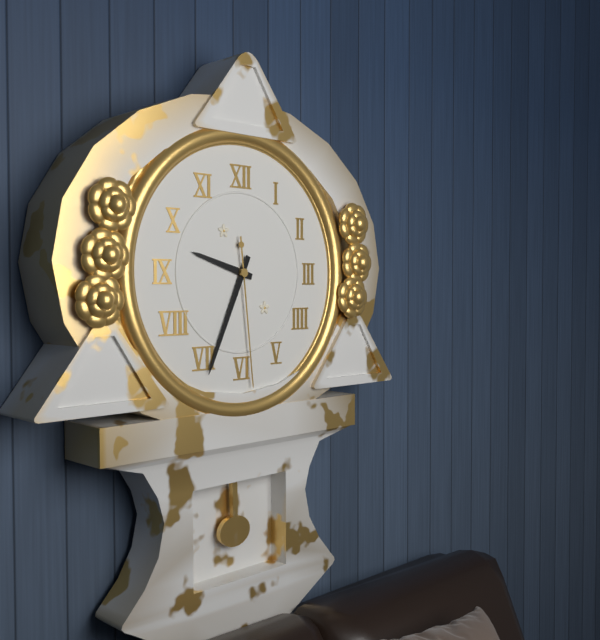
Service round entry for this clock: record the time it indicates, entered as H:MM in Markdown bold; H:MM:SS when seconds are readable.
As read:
**9:34:29**
